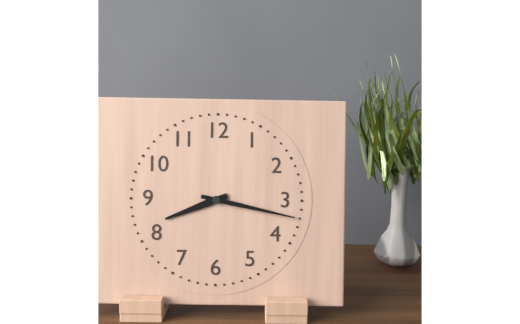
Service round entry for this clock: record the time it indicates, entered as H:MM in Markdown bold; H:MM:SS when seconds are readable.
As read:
**8:17**
